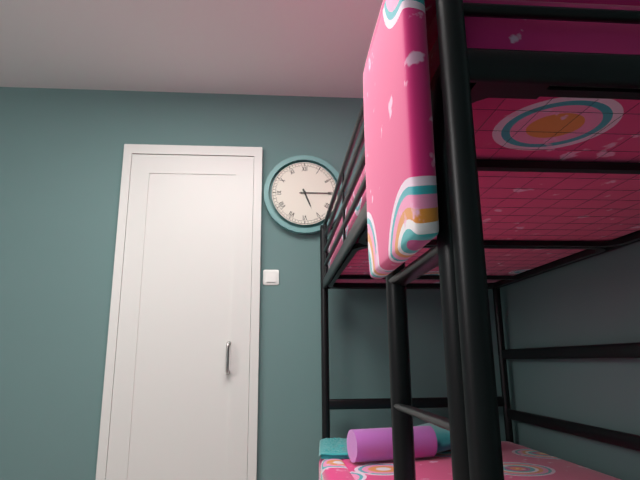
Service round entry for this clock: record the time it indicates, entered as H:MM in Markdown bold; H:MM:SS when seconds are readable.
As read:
**5:15**
